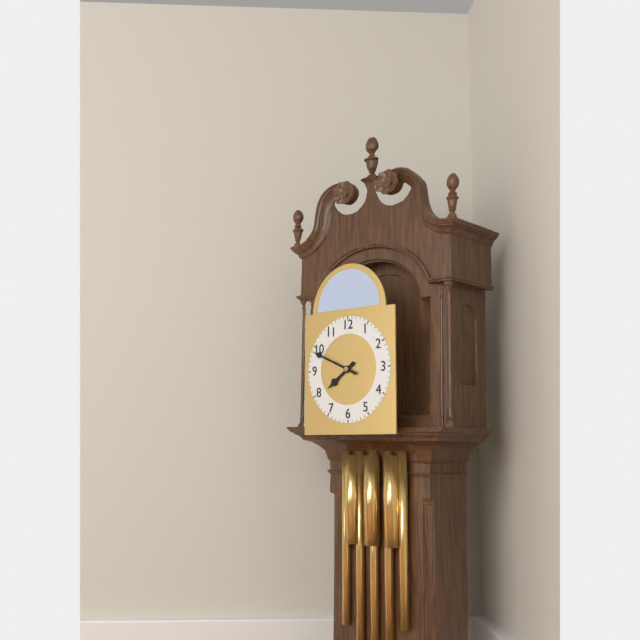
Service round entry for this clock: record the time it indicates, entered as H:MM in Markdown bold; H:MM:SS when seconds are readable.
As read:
**7:49**
